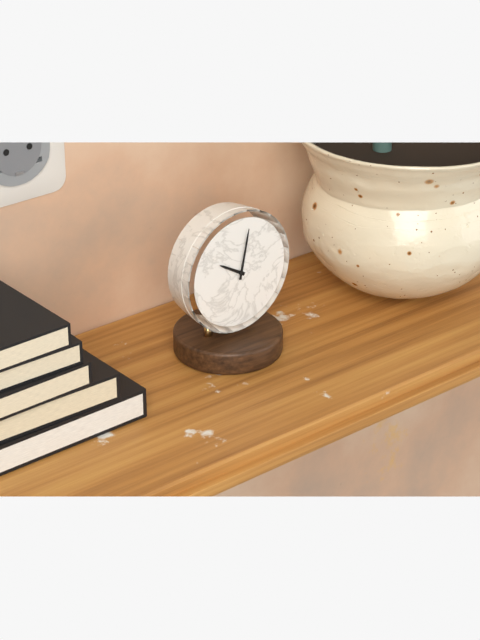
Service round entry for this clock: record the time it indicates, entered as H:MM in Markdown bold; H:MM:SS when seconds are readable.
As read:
**10:02**
